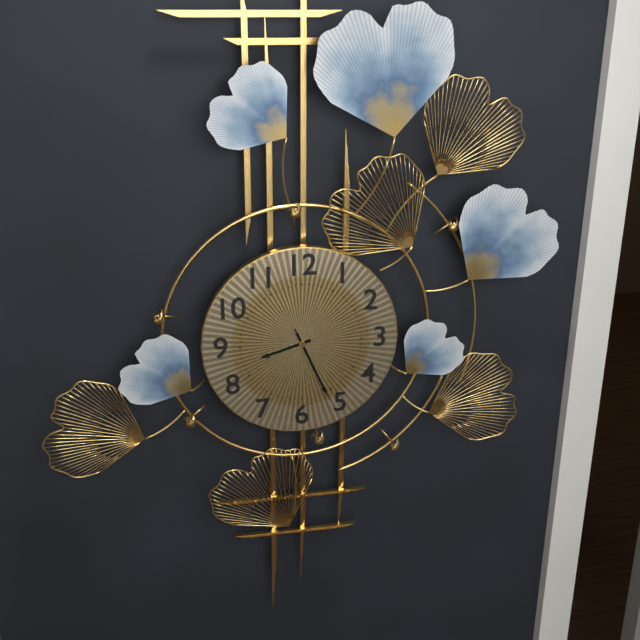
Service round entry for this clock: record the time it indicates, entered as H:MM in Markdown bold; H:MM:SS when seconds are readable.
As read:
**8:26:26**
